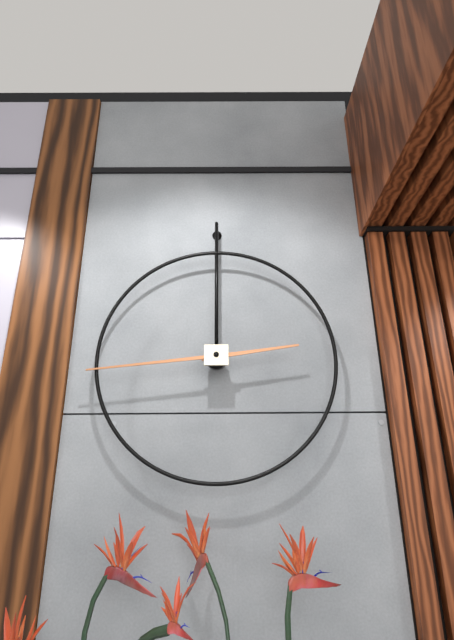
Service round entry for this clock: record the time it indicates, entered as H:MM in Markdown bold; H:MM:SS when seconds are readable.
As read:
**2:44**
